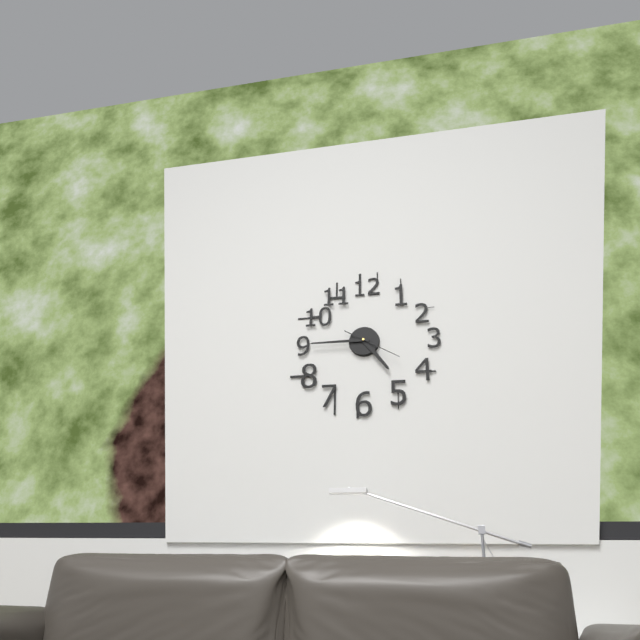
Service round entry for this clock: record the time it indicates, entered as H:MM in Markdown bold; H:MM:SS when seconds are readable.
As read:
**4:45:20**
